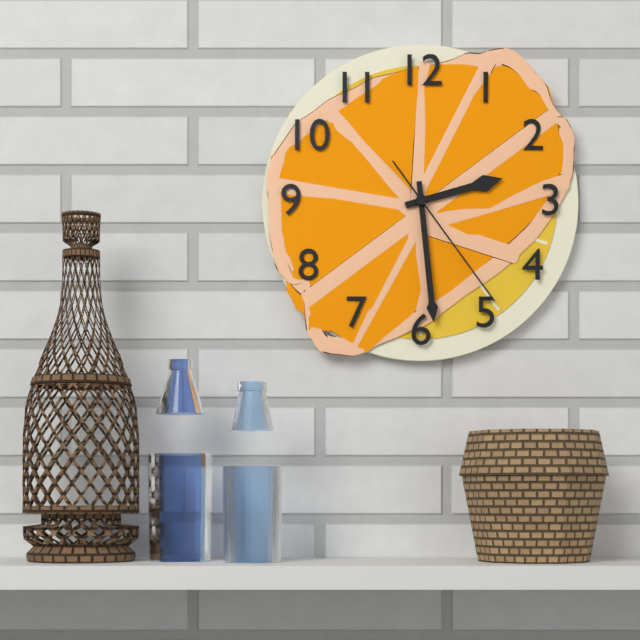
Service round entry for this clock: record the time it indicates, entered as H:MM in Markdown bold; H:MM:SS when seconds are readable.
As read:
**2:29:24**
